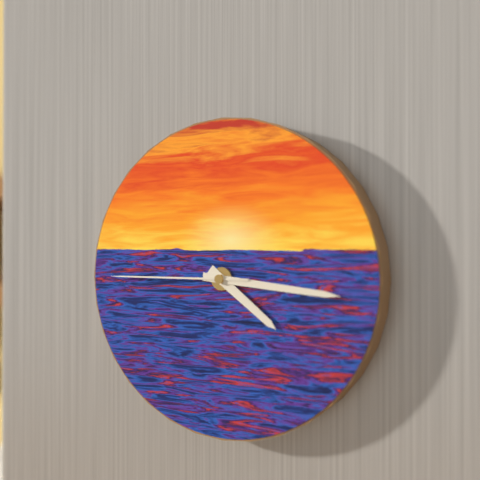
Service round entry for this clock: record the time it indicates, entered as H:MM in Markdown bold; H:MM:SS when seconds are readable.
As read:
**4:16:45**
